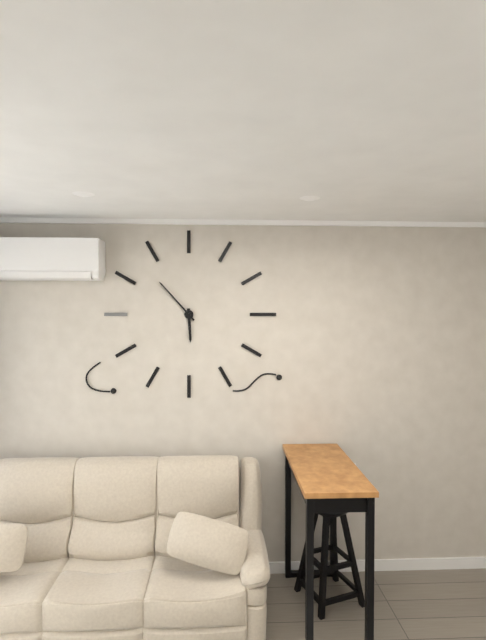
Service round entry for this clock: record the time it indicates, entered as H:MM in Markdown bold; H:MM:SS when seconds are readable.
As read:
**5:53**
